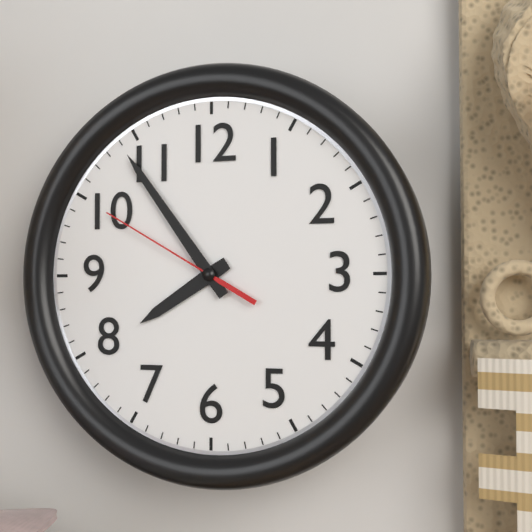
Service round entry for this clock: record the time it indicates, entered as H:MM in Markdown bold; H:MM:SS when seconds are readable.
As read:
**7:54:50**
